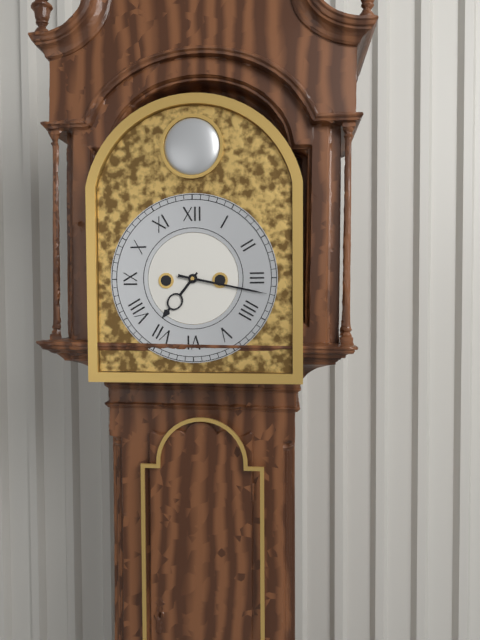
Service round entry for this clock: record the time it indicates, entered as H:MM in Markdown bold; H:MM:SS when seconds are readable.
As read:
**7:17**
